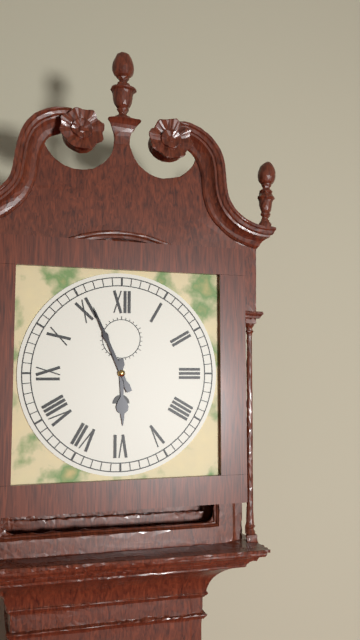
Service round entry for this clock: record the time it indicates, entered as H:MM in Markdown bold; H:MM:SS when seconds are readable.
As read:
**5:56**
